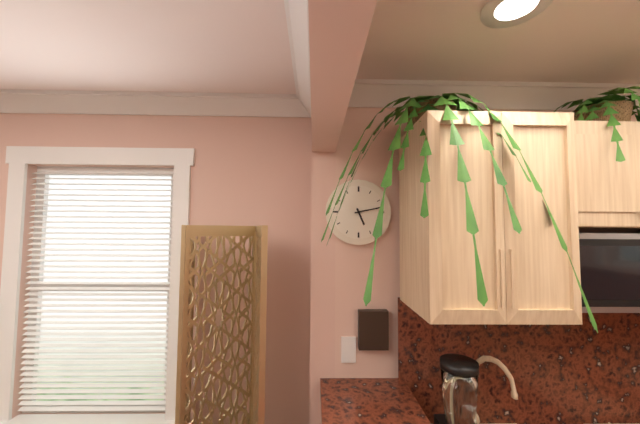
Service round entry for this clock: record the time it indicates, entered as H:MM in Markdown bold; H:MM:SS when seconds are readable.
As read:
**5:13**
